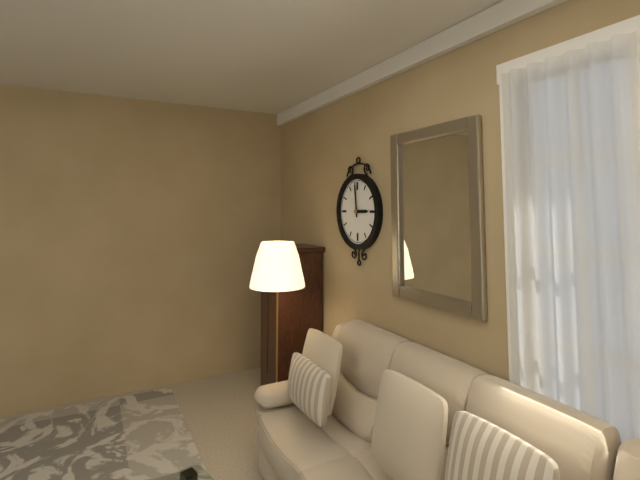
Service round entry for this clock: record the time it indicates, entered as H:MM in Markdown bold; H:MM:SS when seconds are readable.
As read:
**2:59**
